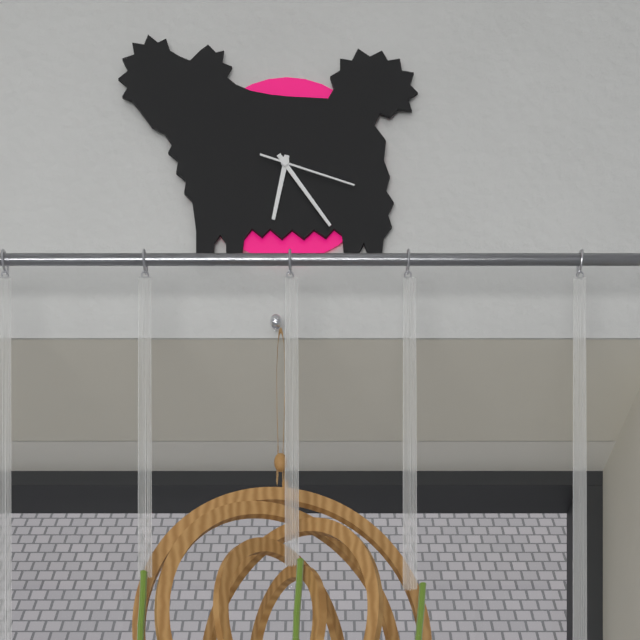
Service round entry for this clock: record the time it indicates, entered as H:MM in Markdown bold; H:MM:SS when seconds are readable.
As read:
**6:24:18**
